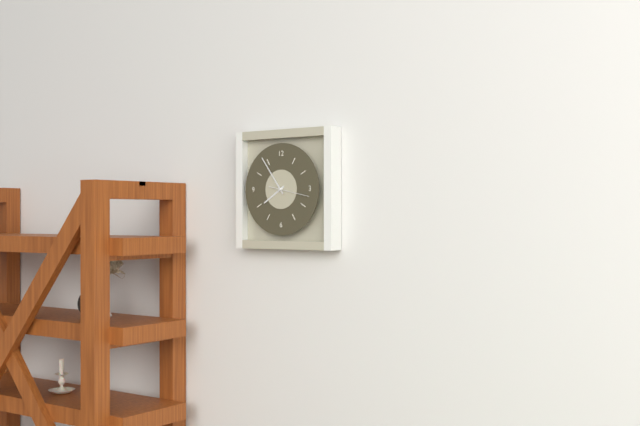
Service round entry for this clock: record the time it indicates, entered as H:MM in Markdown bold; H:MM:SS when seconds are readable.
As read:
**7:54**
